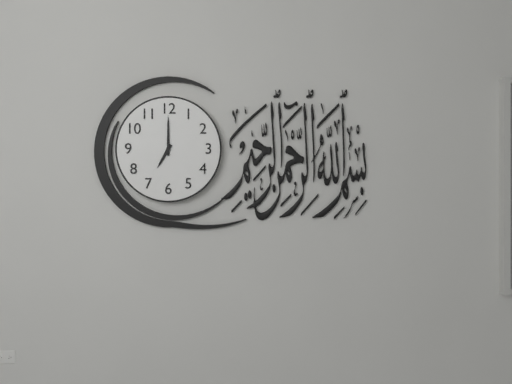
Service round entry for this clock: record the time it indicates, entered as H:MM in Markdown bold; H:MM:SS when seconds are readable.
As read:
**7:00**
